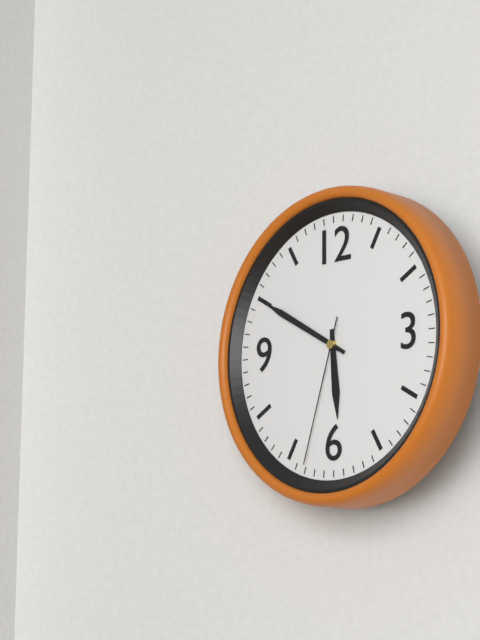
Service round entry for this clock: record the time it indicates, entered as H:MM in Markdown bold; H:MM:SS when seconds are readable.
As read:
**5:50:33**
